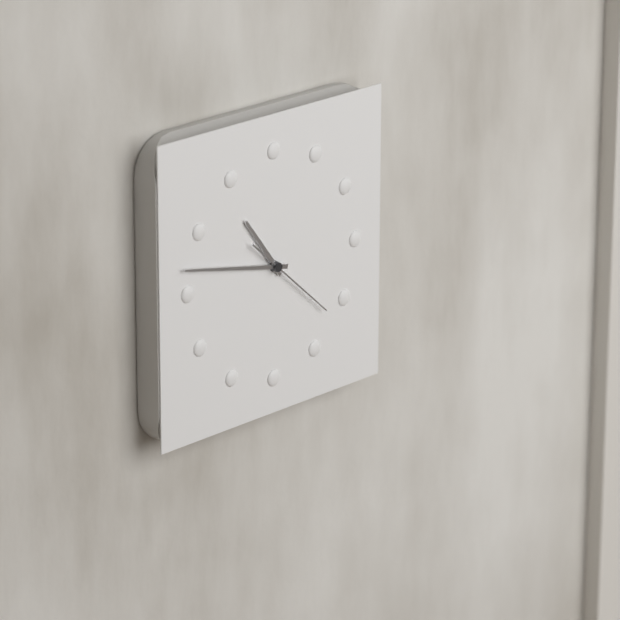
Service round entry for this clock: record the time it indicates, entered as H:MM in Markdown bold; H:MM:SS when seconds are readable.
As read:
**10:47:22**
